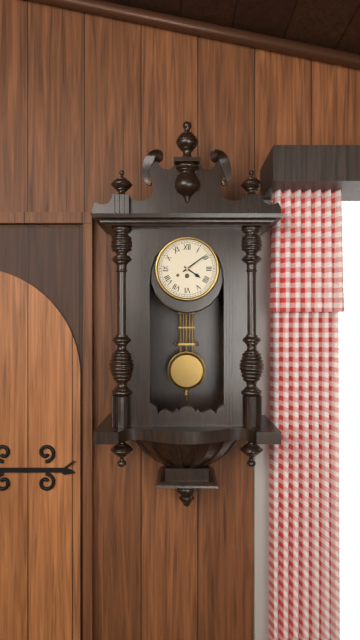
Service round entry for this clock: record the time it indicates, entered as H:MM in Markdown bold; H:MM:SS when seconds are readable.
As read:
**4:09**
